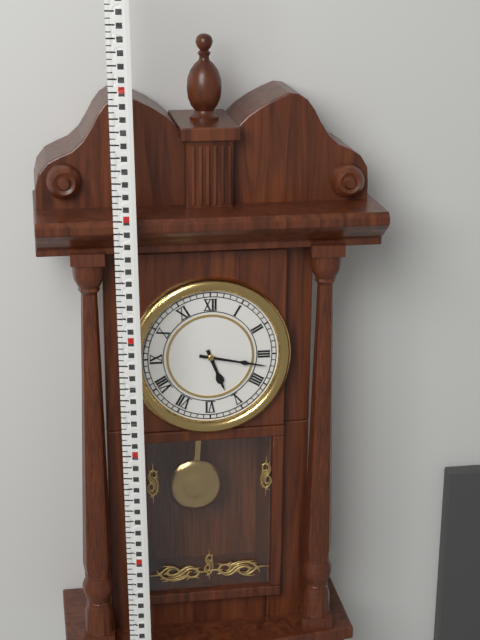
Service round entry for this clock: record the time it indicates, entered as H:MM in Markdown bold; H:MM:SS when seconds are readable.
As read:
**5:17**
